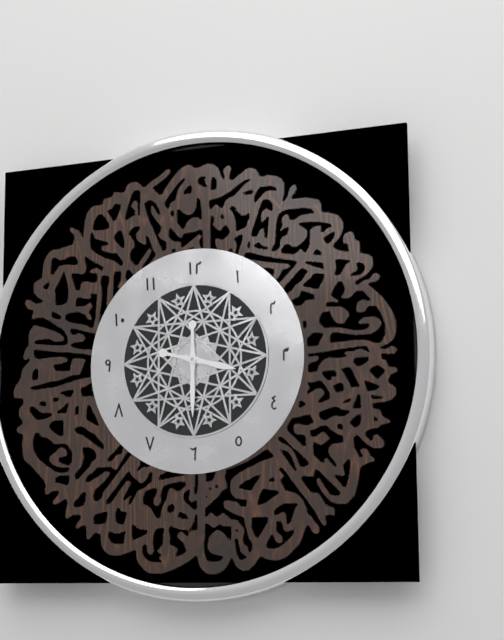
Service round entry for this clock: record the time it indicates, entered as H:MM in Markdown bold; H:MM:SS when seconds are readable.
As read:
**3:30**
